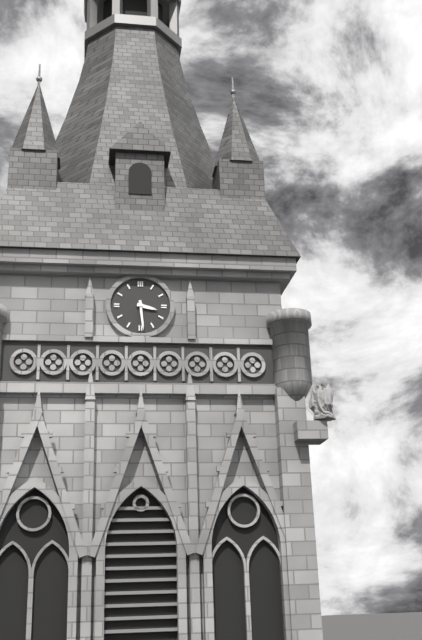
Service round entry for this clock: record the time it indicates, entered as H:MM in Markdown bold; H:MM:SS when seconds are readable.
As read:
**3:29**
